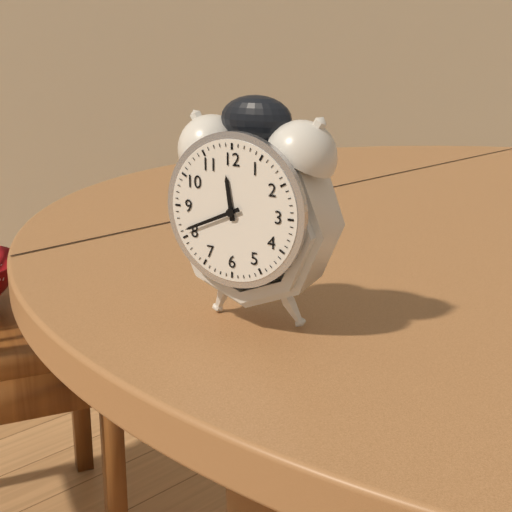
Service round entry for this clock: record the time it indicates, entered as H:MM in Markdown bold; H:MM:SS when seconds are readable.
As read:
**11:41**
